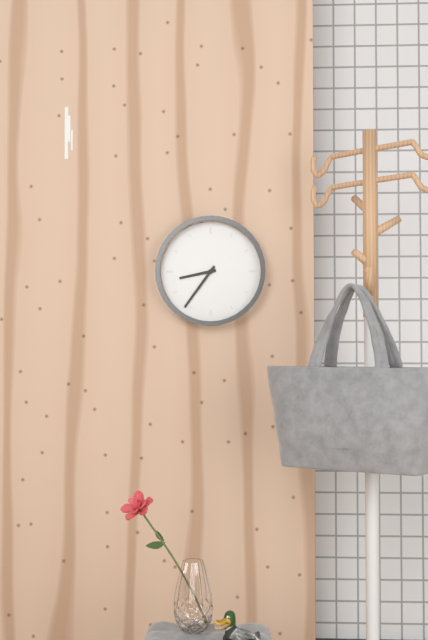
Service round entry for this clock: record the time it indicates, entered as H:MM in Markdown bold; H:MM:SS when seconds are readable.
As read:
**8:36**
